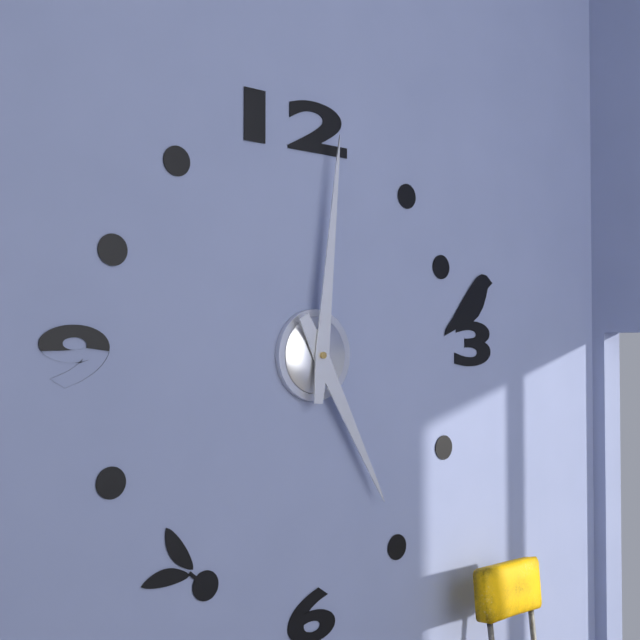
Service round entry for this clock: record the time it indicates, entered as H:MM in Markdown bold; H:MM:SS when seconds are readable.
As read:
**5:01**
